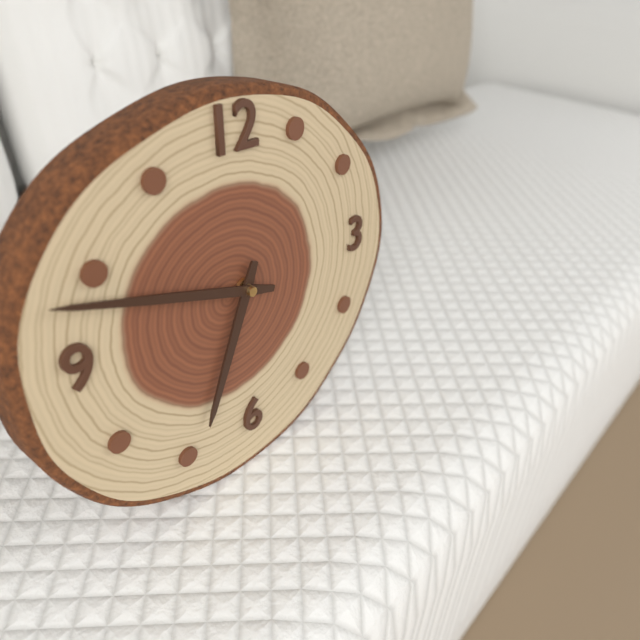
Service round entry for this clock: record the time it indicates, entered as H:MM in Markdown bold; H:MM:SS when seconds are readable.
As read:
**6:48**
